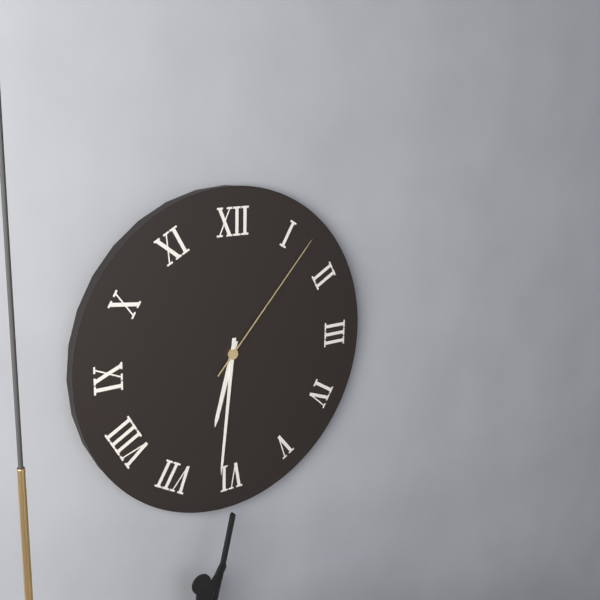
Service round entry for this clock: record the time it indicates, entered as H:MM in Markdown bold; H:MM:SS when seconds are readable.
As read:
**6:31:07**
